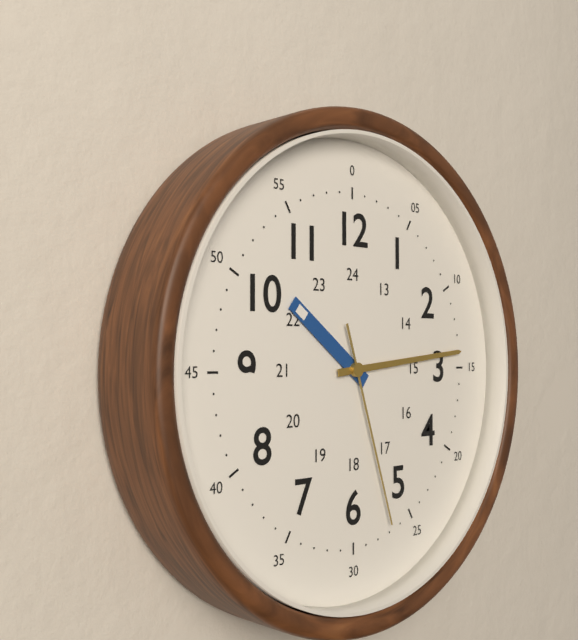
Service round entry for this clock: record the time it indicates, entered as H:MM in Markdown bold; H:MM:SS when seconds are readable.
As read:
**10:14:27**
